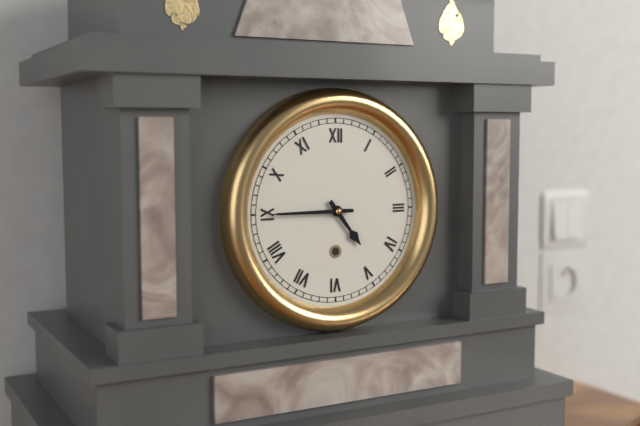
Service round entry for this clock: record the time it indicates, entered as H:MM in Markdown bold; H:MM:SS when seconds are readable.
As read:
**4:45**
